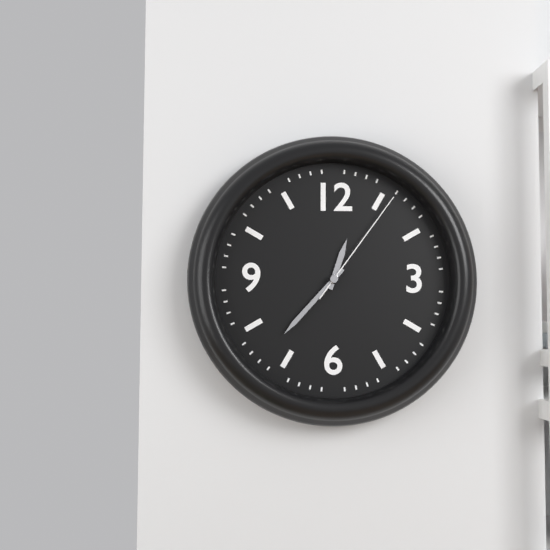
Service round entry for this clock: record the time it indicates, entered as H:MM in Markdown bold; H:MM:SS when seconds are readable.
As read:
**12:37:06**
